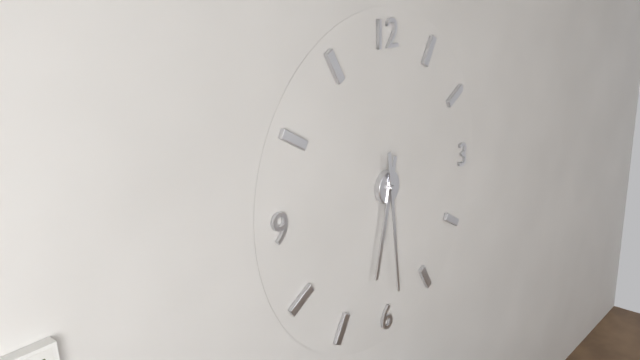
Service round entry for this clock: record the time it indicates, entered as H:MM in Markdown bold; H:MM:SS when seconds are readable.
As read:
**6:29**
